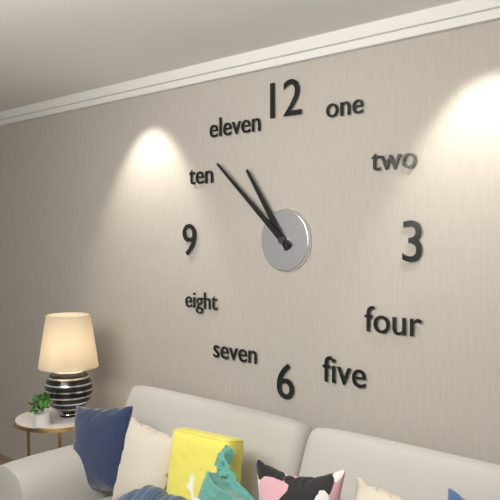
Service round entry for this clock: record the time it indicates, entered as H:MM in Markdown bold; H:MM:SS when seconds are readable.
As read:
**10:52**
